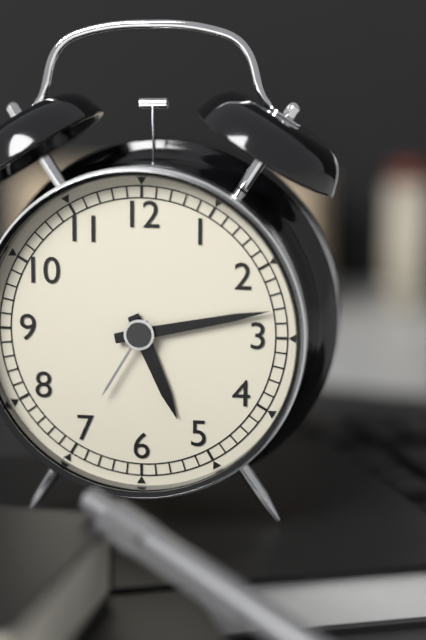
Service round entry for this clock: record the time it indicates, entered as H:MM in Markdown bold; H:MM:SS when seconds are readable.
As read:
**5:13**
